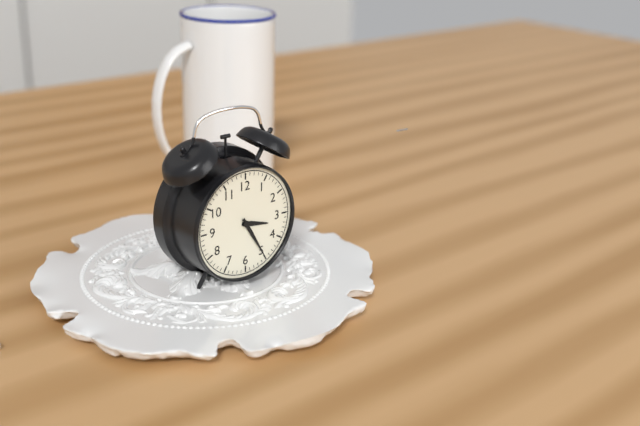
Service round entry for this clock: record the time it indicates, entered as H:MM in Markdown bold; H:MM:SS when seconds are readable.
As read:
**3:25**
